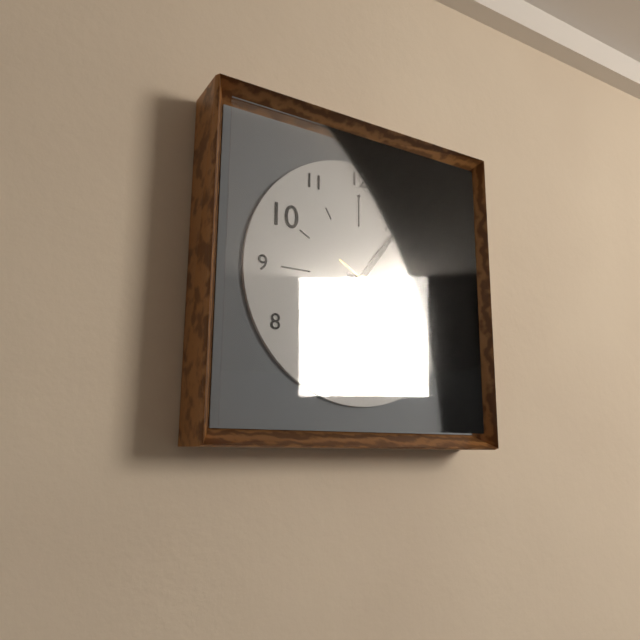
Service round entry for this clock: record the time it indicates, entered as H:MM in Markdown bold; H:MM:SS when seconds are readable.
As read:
**1:16:20**
